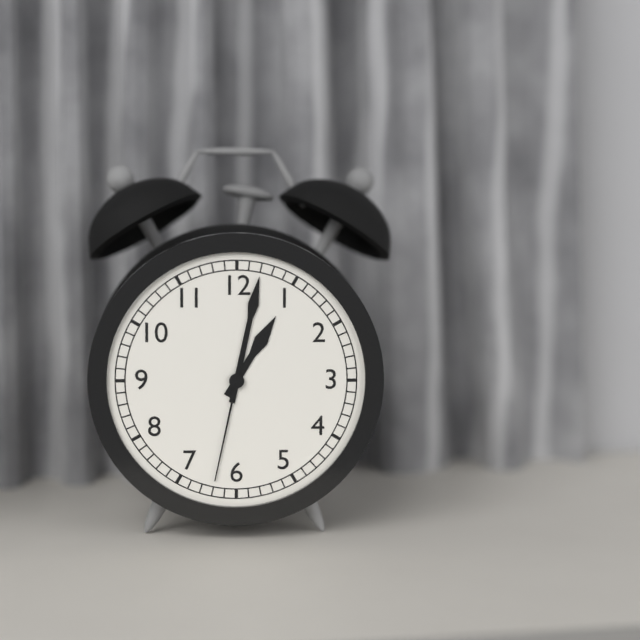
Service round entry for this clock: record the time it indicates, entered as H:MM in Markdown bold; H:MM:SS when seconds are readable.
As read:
**1:02:32**
